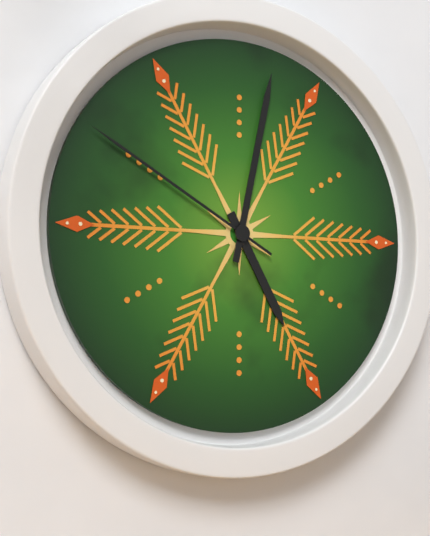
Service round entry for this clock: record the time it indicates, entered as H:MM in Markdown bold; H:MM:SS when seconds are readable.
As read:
**5:02:50**
